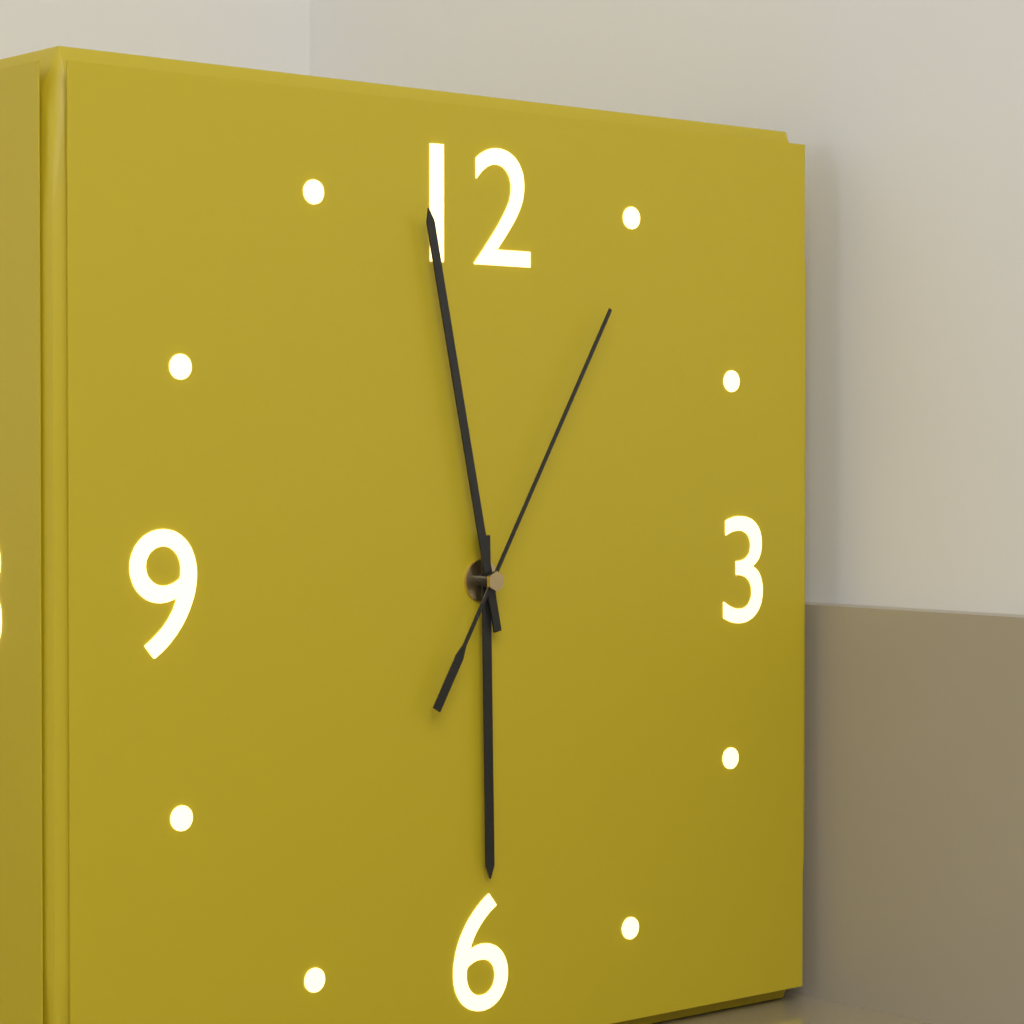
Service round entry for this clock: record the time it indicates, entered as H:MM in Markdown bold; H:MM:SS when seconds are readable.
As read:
**5:58:05**
